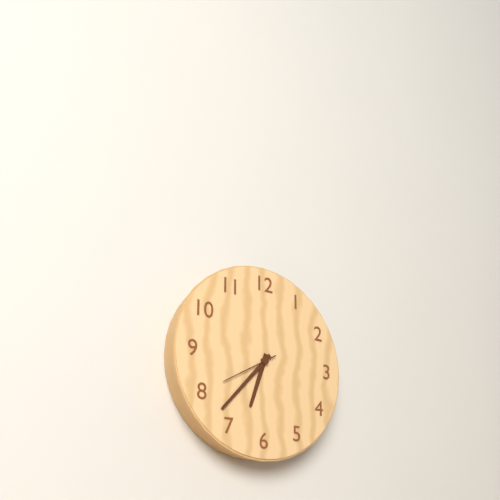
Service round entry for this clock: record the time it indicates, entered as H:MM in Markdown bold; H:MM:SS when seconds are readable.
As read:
**6:37:40**
